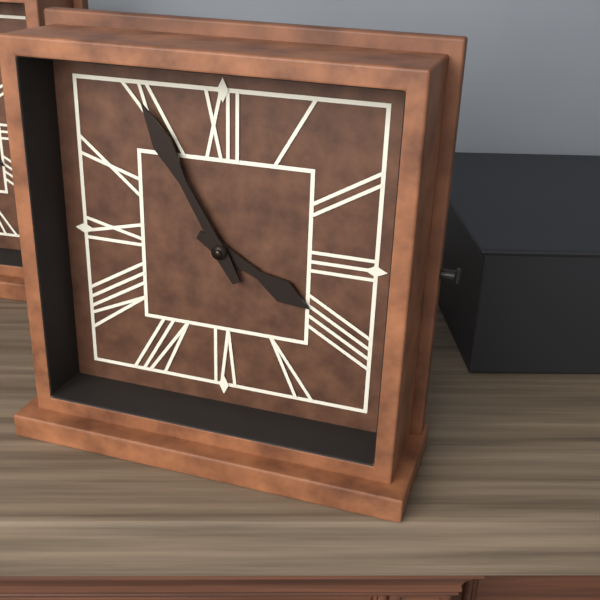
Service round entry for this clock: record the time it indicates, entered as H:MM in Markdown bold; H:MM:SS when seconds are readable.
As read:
**3:55**
